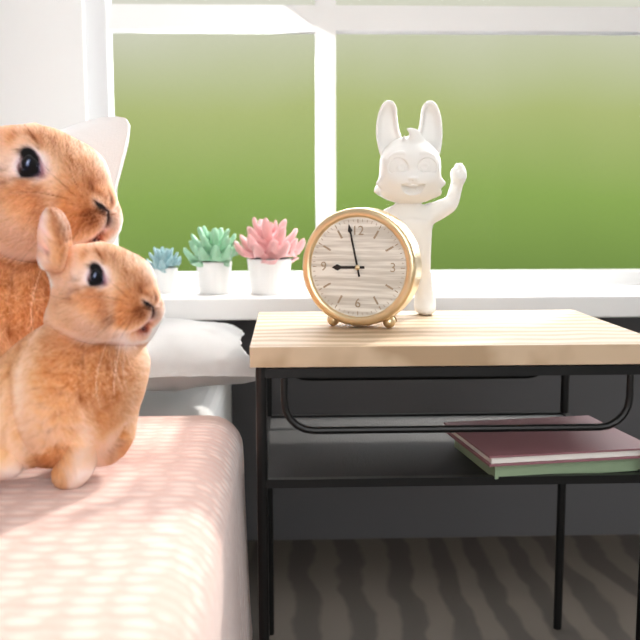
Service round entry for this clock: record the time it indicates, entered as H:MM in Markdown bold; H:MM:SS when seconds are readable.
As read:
**8:58**
